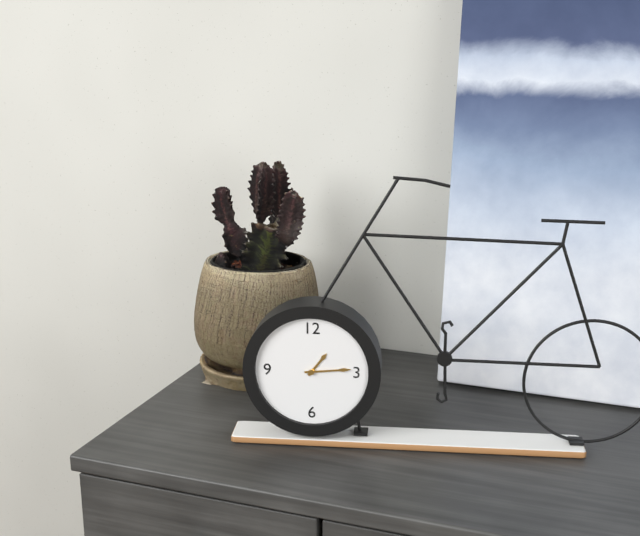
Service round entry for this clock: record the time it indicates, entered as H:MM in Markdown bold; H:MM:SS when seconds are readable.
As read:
**1:14**
